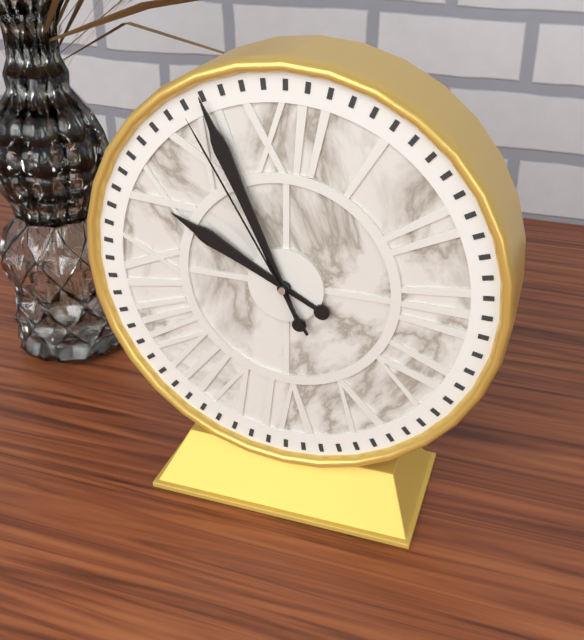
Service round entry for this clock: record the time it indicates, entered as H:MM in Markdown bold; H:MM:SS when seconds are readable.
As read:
**9:56:55**
